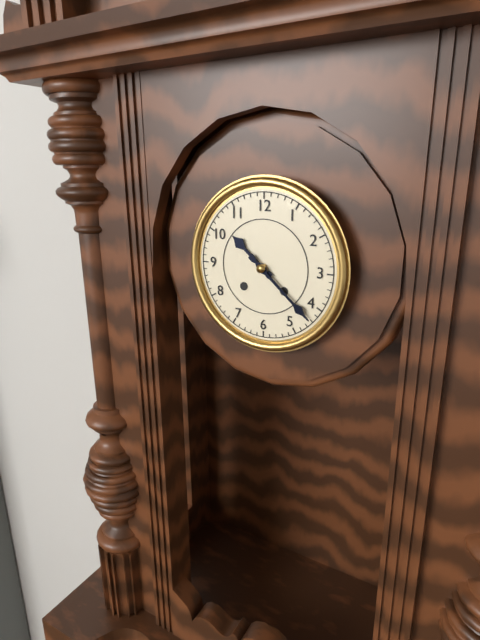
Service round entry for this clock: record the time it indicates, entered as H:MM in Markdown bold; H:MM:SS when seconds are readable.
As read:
**10:22**
